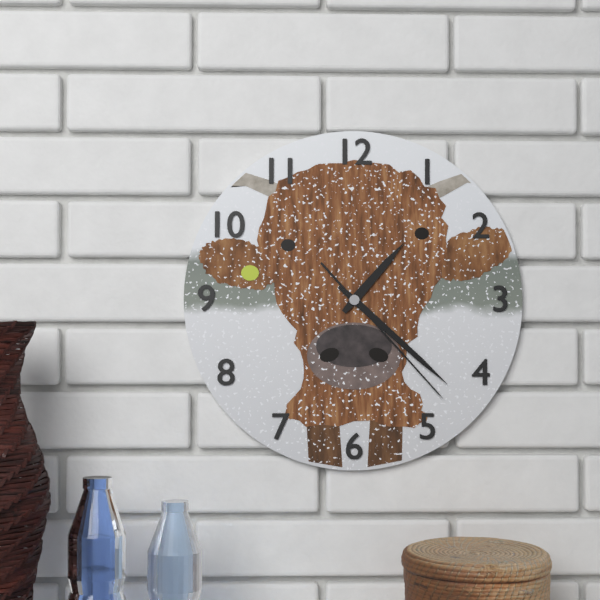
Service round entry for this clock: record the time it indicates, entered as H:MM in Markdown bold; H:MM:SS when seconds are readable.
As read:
**1:22:23**
